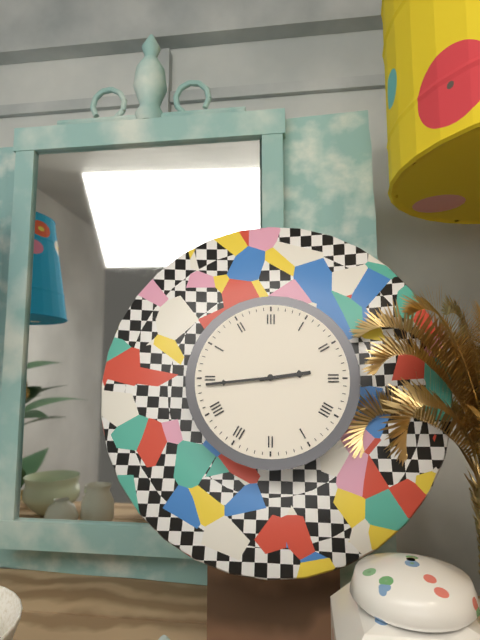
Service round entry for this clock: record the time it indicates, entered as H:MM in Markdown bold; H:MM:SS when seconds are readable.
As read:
**2:44**
